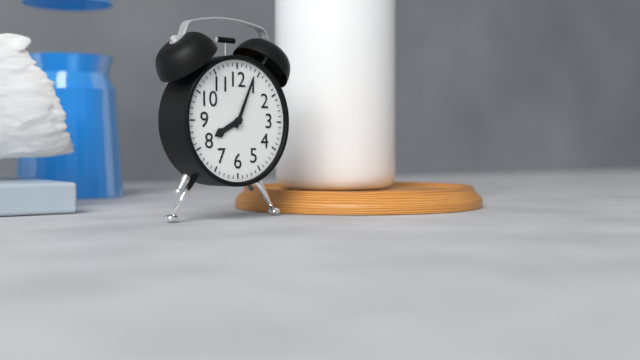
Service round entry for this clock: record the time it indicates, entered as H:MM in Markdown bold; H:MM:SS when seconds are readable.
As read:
**8:04**
